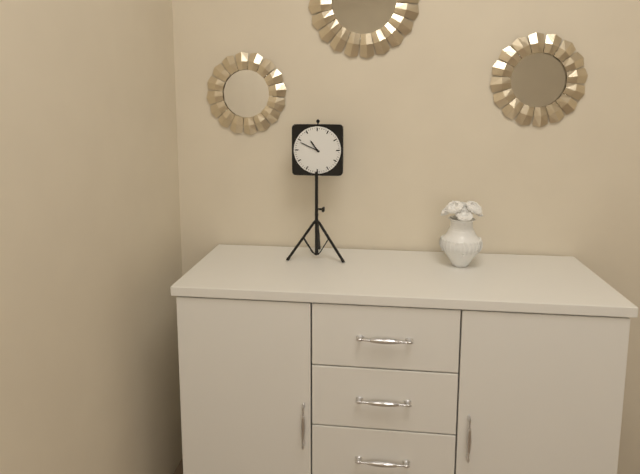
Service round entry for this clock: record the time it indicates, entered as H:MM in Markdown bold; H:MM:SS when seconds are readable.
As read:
**10:49**
